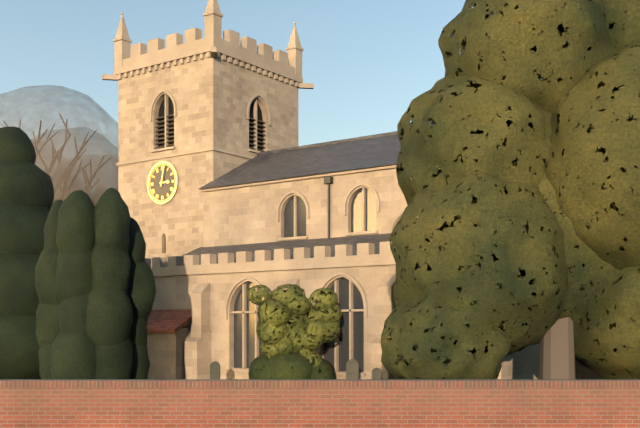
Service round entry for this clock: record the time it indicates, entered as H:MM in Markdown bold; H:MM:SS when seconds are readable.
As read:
**3:02**
